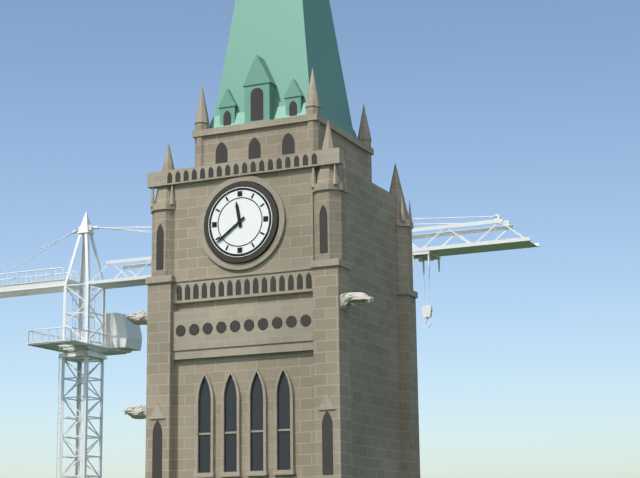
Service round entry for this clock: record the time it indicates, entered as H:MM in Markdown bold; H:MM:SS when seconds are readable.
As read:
**11:39**
